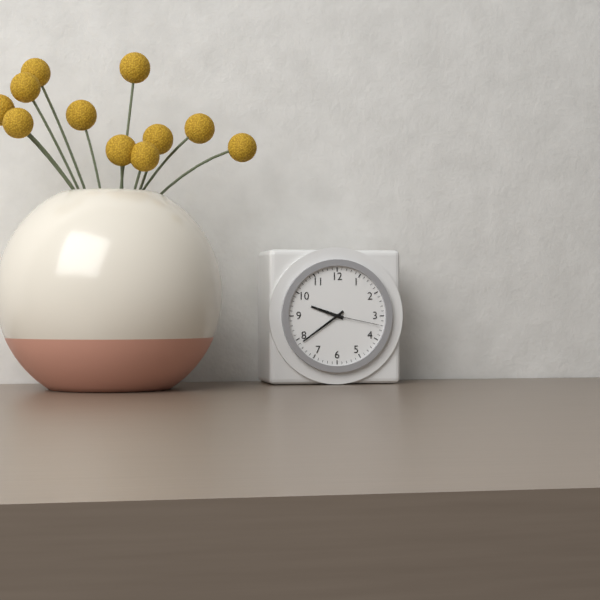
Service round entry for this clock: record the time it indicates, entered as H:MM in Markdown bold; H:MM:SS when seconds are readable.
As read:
**9:39:17**
